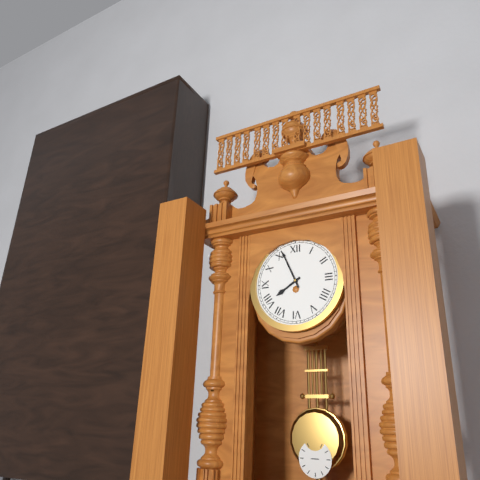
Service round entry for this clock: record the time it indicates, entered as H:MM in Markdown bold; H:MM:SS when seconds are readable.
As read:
**7:56**
